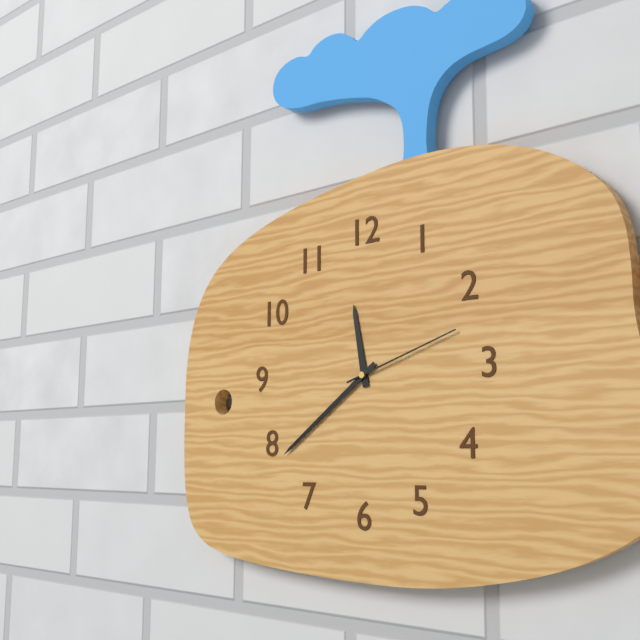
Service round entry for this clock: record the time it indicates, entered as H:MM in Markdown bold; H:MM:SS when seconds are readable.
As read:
**11:39:12**
